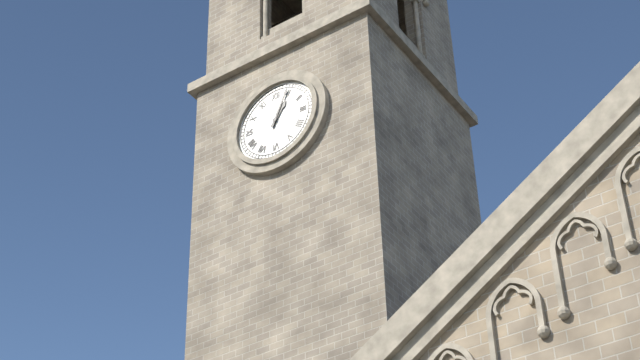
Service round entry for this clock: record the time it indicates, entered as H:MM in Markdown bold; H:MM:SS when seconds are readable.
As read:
**1:04**
